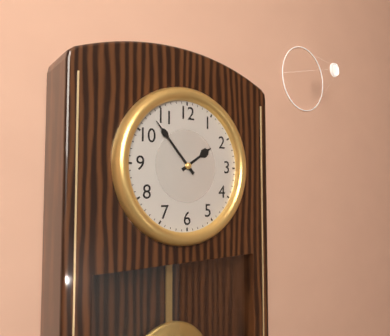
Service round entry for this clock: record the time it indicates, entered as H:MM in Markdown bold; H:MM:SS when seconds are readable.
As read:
**1:53**
